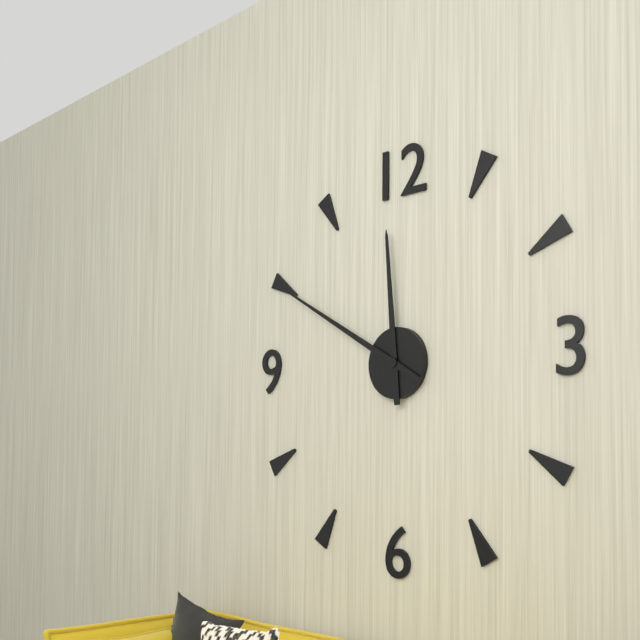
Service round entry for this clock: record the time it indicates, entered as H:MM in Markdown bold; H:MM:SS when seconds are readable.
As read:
**11:50**
